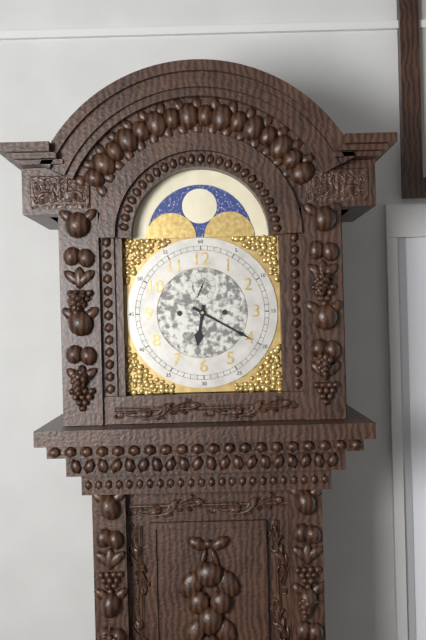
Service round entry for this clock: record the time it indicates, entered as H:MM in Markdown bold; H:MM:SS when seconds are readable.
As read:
**6:20**
